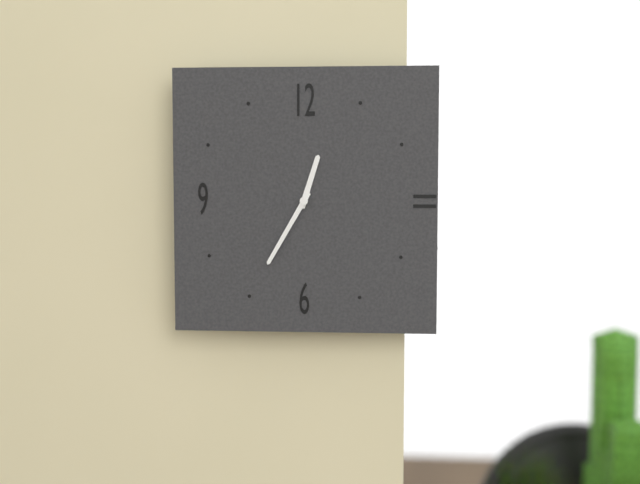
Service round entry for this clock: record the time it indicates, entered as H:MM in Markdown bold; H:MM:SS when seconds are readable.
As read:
**12:35**
